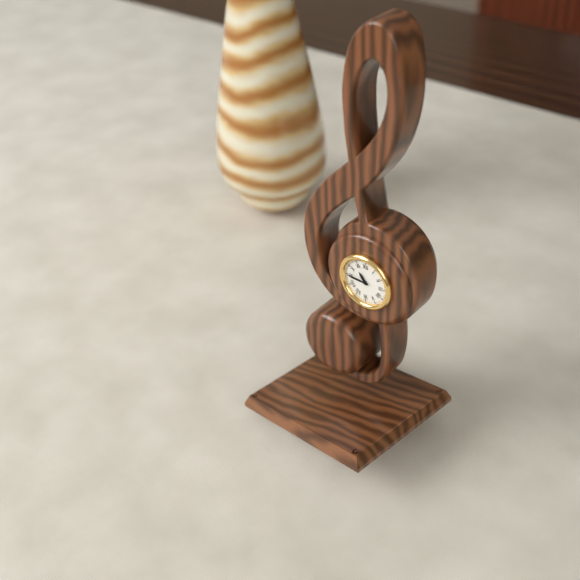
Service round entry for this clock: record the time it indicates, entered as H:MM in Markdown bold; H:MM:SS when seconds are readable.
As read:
**10:45**
